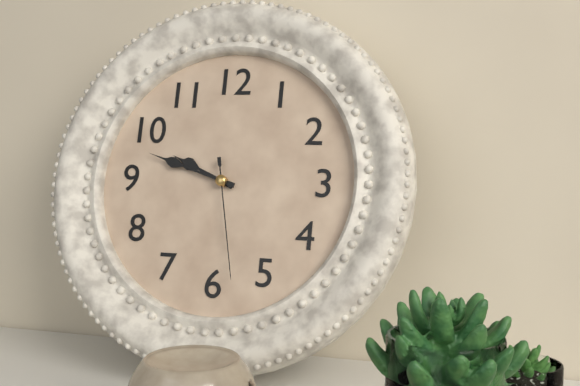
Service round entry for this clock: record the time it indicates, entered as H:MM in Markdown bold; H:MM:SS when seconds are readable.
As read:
**9:48:28**
